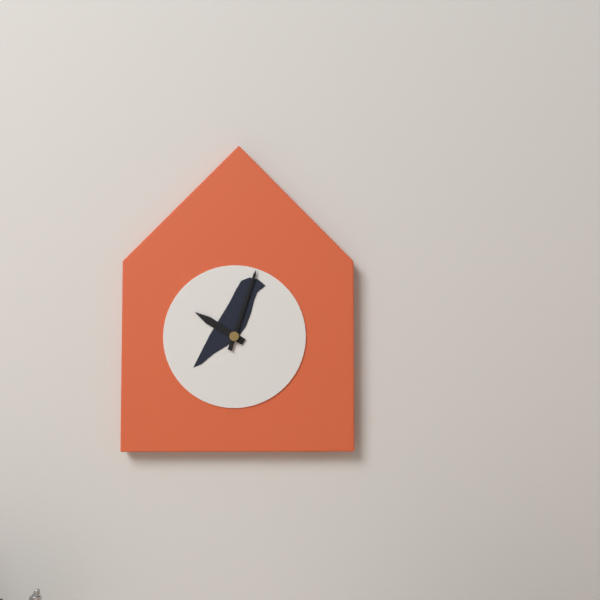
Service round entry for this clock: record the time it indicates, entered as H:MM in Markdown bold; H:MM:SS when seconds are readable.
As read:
**10:03**
